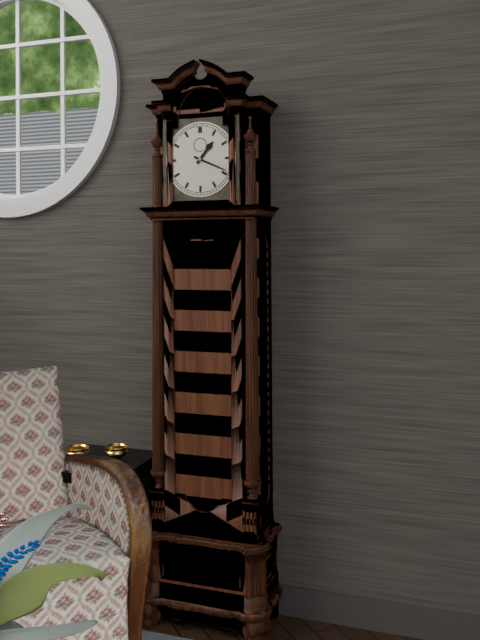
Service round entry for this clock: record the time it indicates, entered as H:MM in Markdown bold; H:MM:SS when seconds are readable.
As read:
**1:19**
